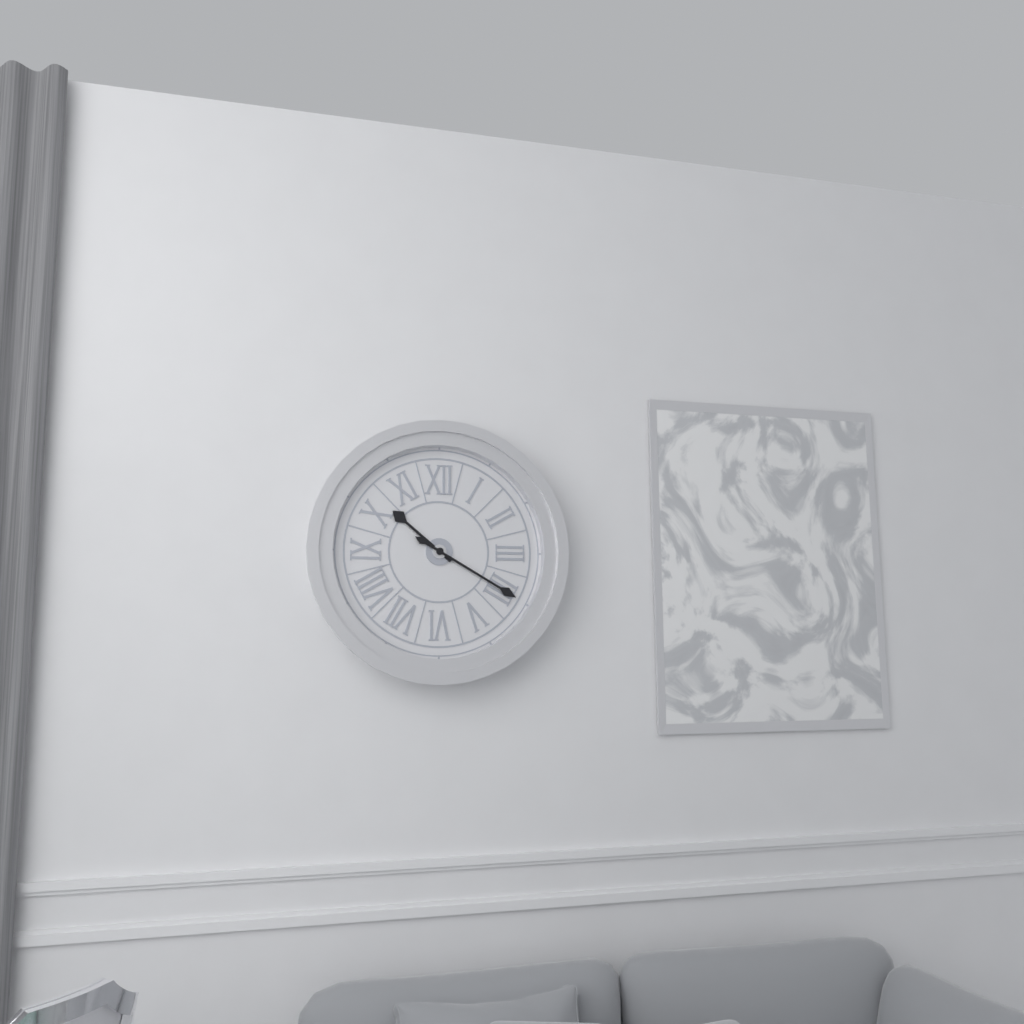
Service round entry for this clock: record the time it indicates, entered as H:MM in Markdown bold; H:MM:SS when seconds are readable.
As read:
**10:20**
